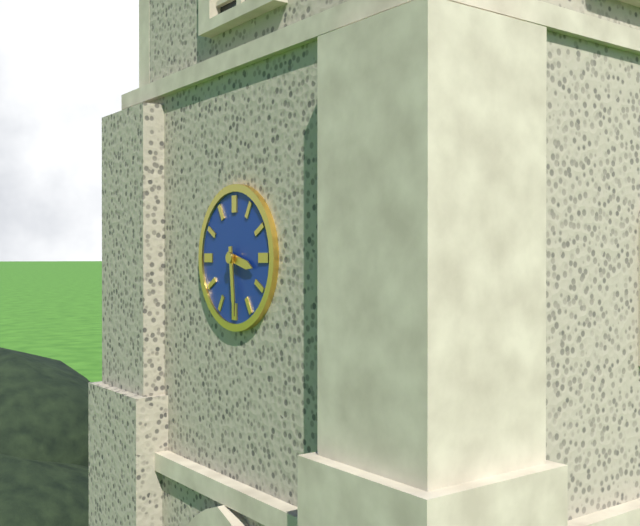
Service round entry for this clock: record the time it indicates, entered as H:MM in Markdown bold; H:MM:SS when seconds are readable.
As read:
**3:29**
